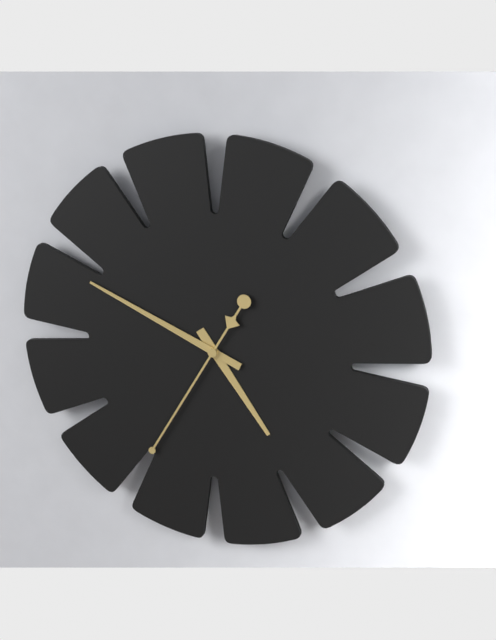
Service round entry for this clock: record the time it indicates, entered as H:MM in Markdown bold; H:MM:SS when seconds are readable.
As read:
**4:49:35**
